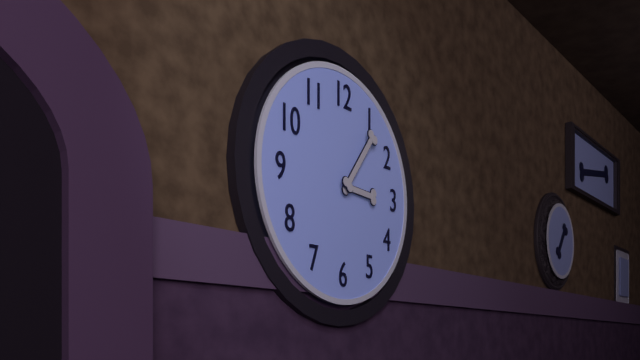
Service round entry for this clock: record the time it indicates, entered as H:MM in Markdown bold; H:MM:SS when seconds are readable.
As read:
**3:06**
